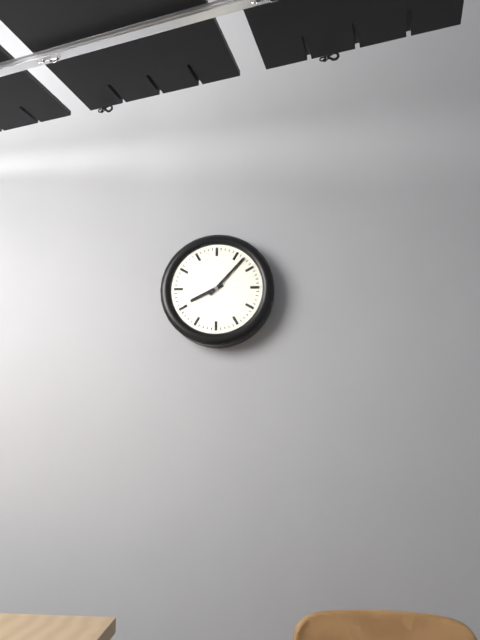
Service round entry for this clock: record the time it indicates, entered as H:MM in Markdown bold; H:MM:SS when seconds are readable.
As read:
**8:07**
